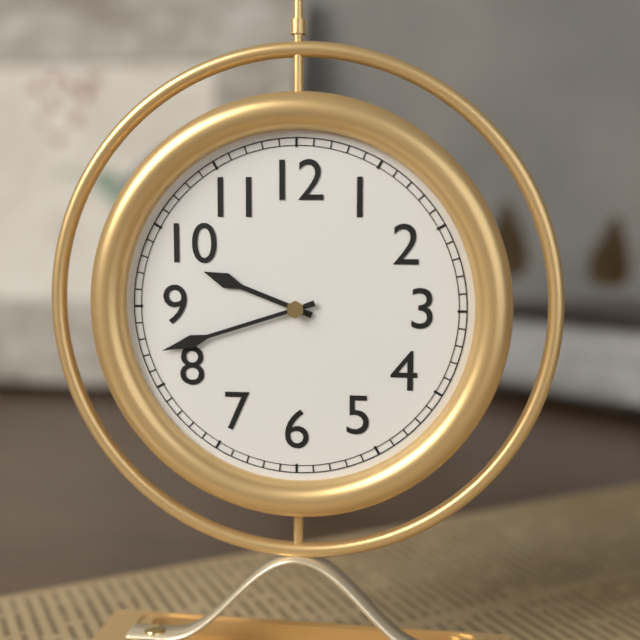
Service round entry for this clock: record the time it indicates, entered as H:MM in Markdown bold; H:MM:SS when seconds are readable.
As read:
**9:42**
